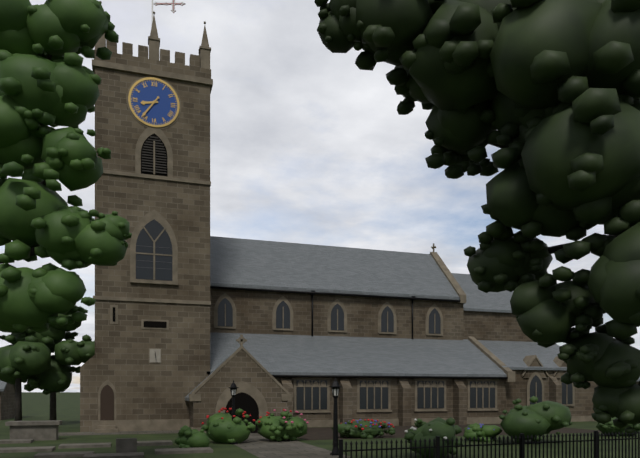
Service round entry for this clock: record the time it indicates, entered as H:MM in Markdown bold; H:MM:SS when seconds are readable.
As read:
**8:36**
